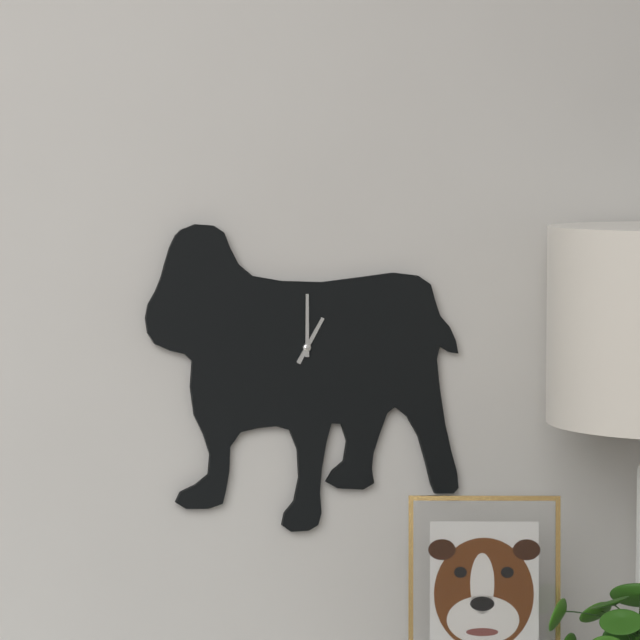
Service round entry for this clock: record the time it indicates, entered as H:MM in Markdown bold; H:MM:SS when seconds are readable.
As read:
**1:00**
